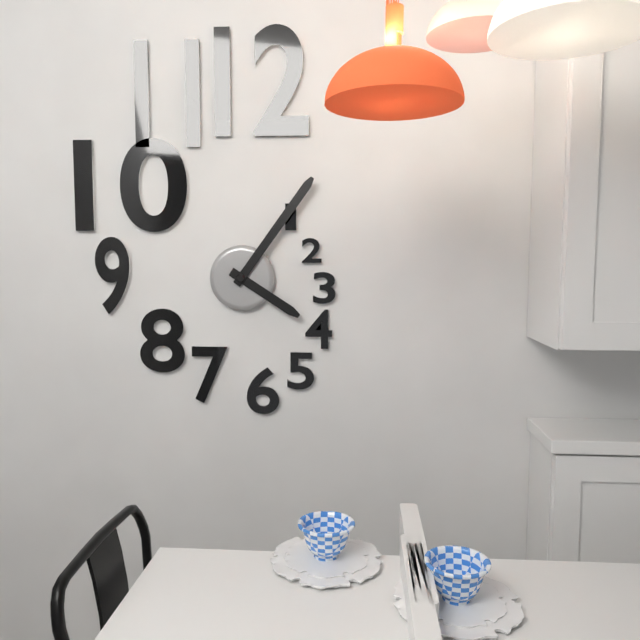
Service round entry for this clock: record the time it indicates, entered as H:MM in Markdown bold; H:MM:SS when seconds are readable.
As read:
**4:06**
